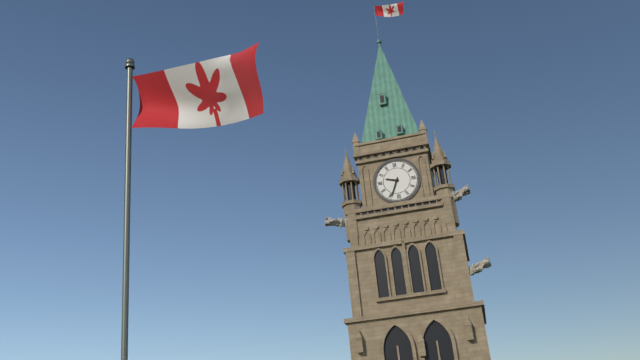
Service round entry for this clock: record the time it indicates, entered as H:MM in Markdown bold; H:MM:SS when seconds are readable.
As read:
**9:34**
